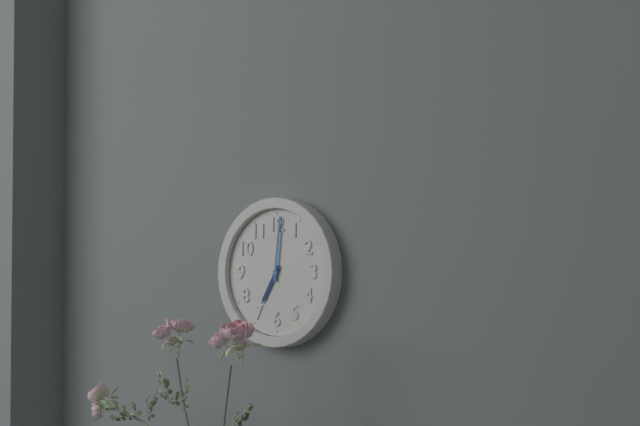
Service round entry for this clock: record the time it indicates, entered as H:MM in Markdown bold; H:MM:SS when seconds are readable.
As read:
**7:01**
